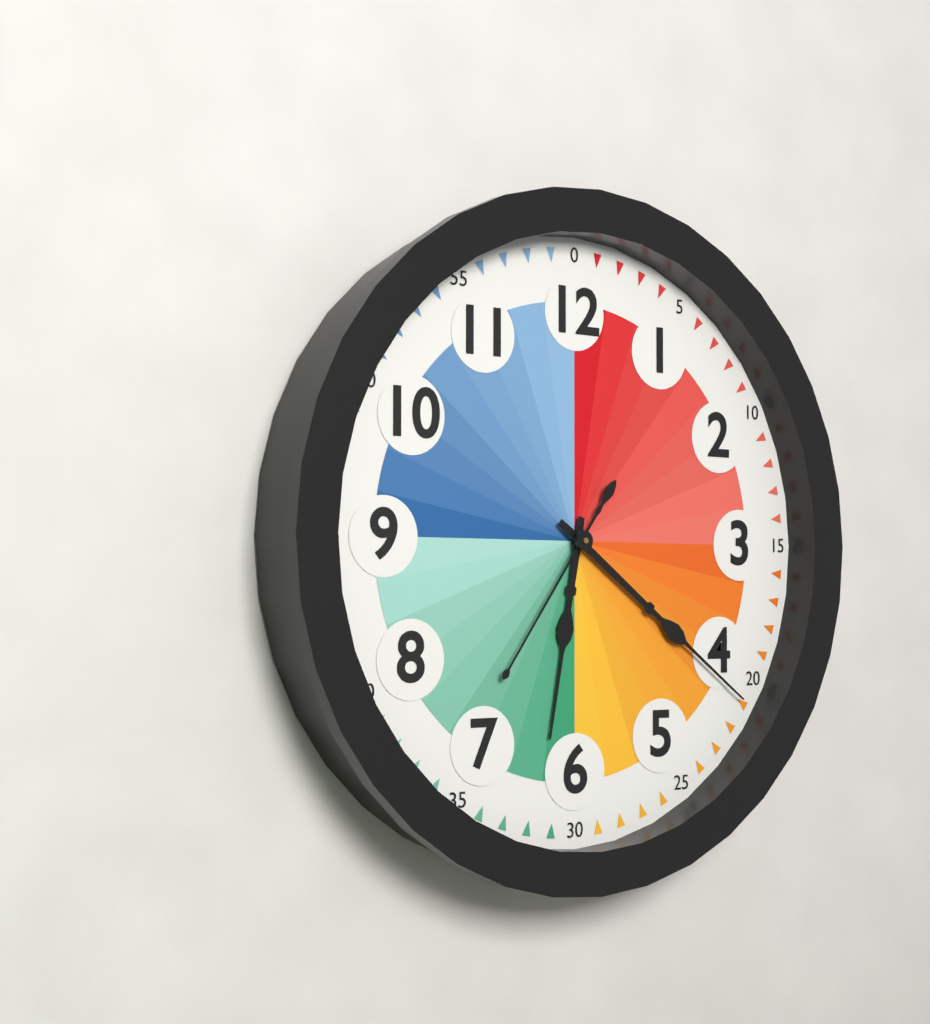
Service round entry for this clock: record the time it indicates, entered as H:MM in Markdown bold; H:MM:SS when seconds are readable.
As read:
**6:21:36**
